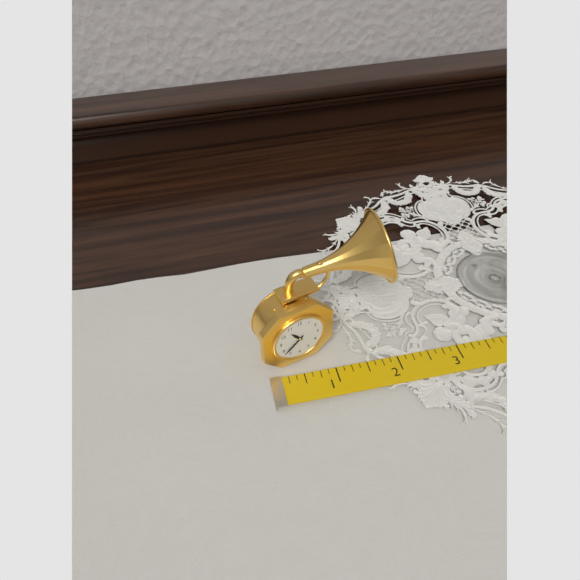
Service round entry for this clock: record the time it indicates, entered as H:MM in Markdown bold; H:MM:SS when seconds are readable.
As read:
**10:38**
